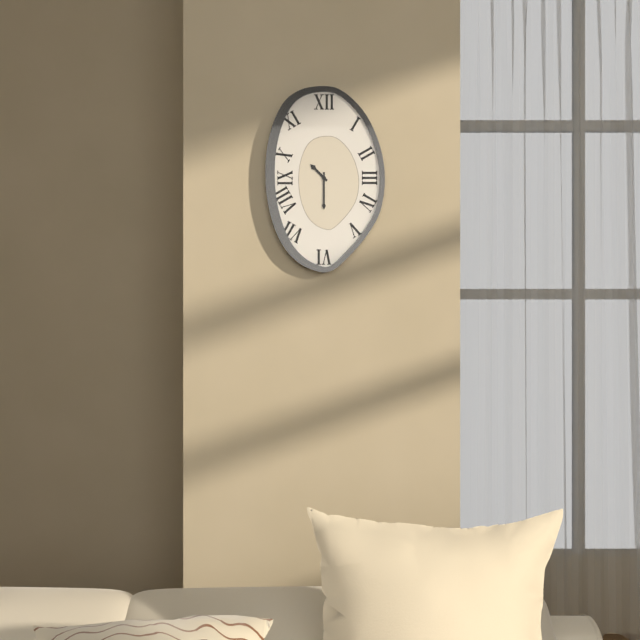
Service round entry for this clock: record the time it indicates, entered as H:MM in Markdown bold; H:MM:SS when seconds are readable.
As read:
**10:30**
